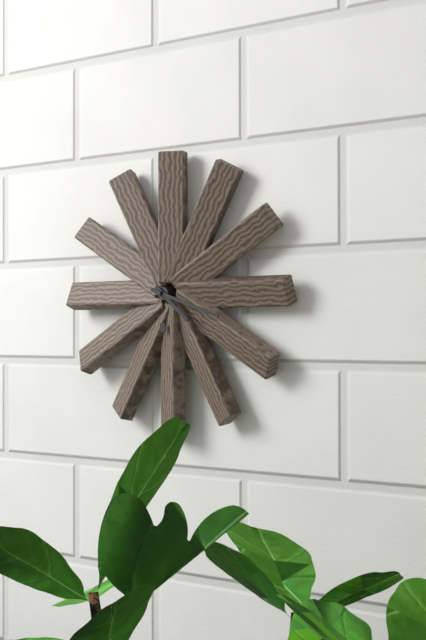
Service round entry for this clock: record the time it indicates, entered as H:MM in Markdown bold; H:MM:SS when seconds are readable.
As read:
**4:18**
